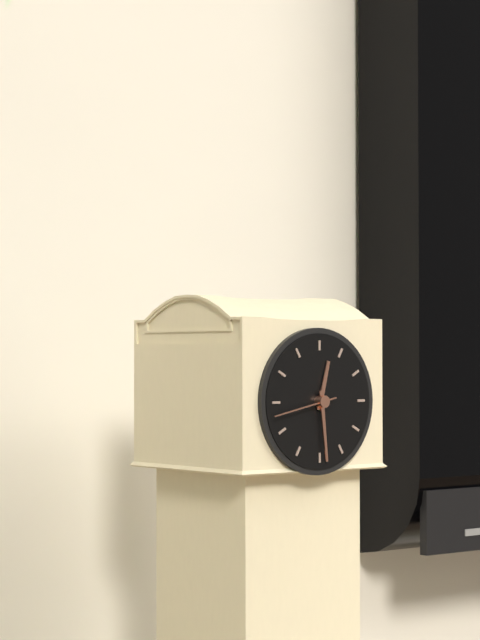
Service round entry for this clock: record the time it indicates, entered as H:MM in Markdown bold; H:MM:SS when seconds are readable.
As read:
**12:29:43**
